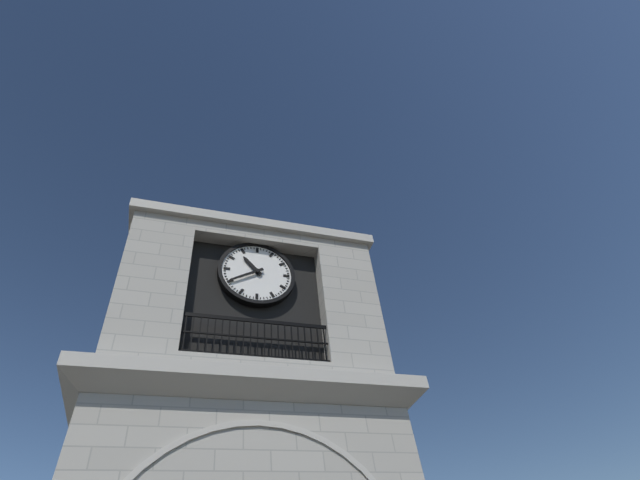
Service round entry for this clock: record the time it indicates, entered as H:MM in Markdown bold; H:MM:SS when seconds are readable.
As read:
**10:40**
